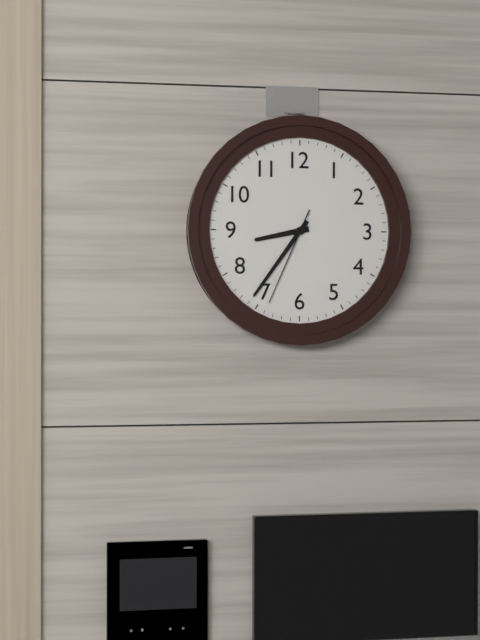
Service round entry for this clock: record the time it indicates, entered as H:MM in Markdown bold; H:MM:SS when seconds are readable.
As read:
**8:36:34**
